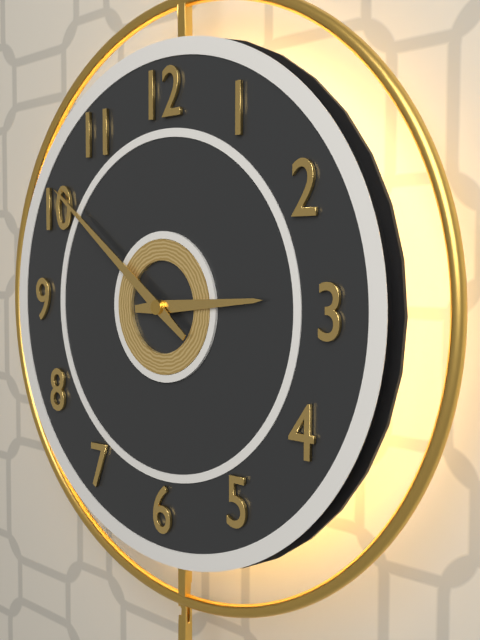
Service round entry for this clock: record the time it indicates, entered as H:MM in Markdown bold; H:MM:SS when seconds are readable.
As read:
**2:51**
